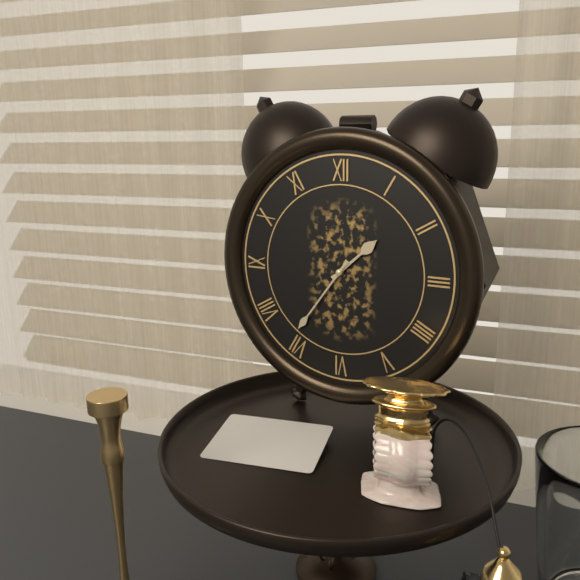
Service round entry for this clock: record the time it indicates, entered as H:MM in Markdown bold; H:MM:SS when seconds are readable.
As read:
**1:36**
